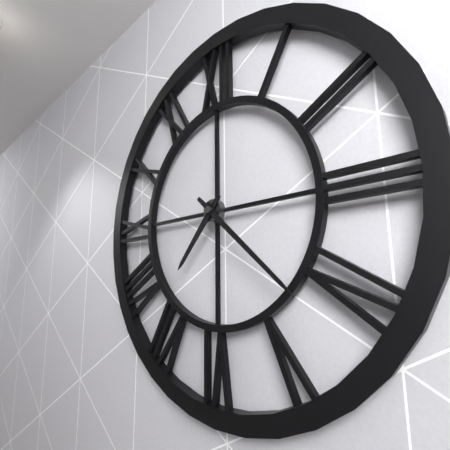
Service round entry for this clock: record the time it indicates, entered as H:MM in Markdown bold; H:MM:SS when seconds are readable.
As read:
**7:22**
